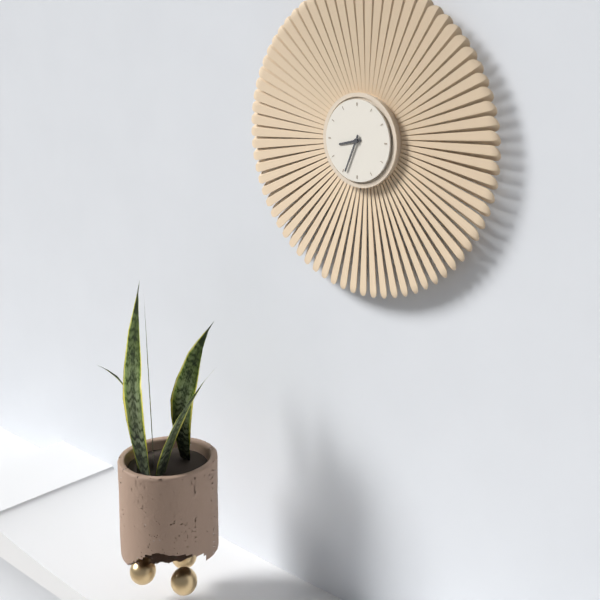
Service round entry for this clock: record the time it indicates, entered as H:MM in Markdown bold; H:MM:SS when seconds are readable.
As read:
**8:34**
